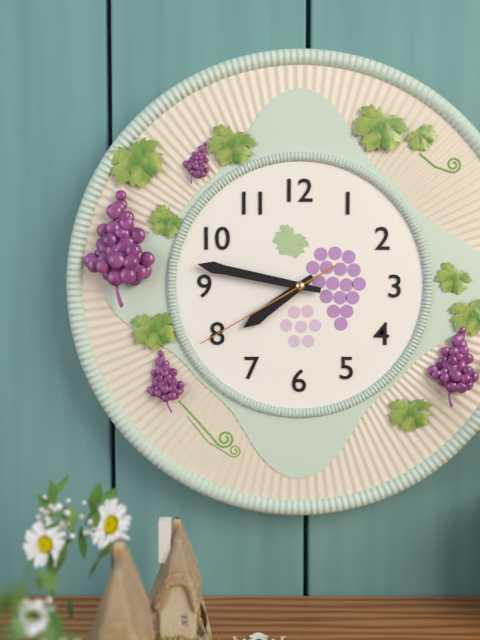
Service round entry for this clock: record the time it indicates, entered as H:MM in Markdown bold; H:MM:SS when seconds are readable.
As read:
**7:47:40**
